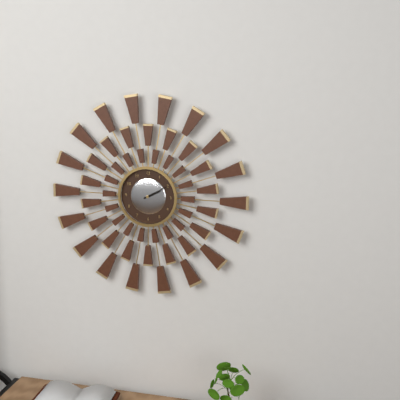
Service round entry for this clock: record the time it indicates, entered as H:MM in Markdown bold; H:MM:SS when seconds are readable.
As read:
**2:10**
